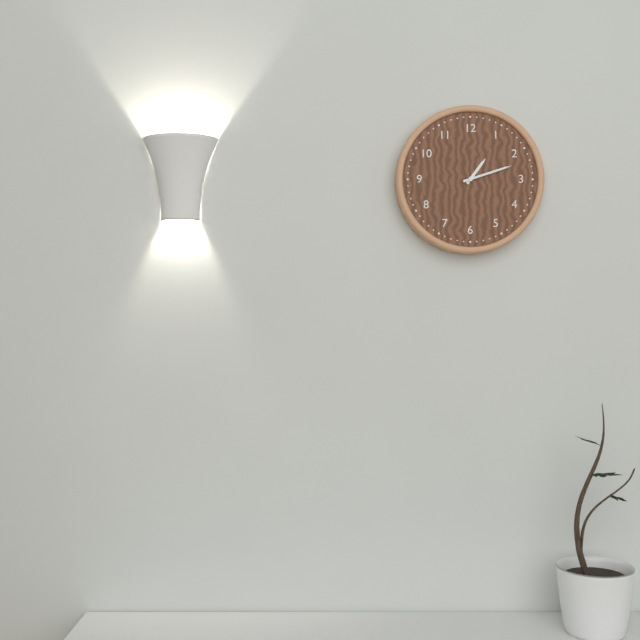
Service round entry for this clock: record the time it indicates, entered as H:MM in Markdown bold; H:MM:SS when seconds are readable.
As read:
**1:12**
